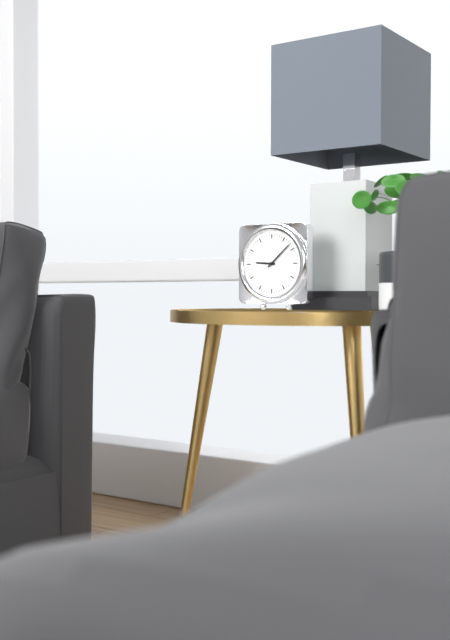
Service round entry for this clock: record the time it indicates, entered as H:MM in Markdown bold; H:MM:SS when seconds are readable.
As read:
**9:08**
